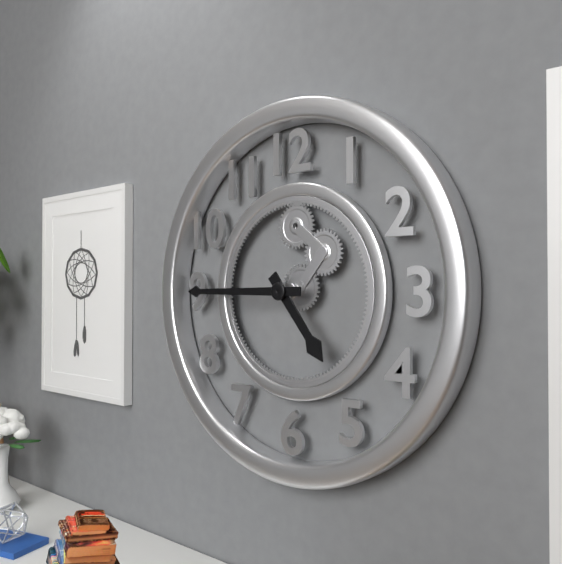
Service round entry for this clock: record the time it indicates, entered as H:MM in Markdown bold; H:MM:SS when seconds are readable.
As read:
**4:45**
